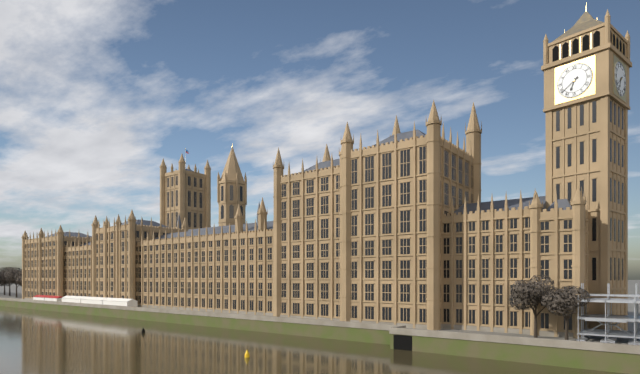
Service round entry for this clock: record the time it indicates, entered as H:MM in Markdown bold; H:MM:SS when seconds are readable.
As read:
**6:39**
